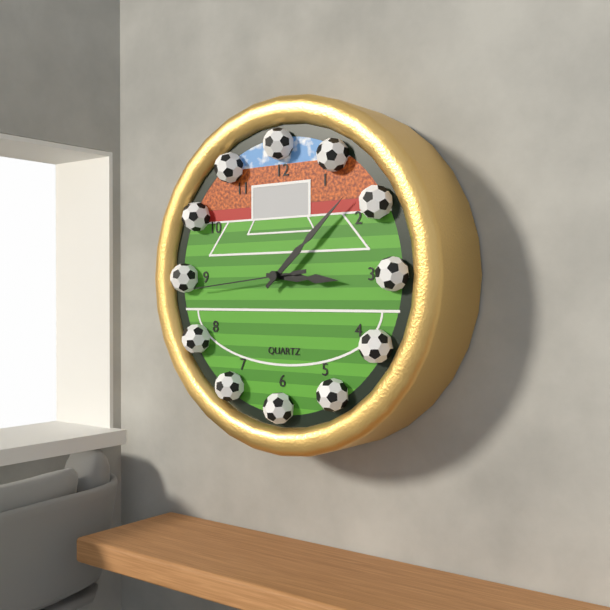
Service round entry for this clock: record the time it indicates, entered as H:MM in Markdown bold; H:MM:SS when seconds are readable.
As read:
**3:08:44**
